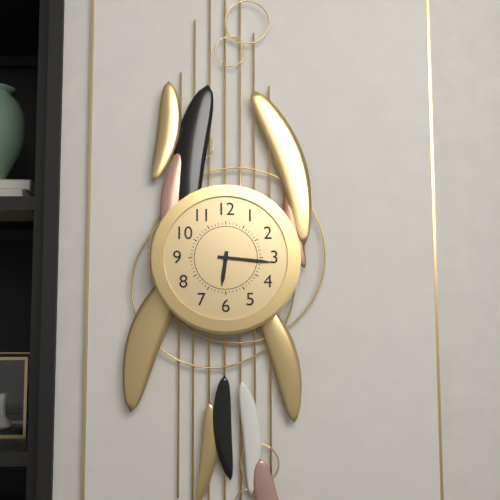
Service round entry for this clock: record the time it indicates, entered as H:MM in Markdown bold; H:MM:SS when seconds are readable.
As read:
**6:16**
